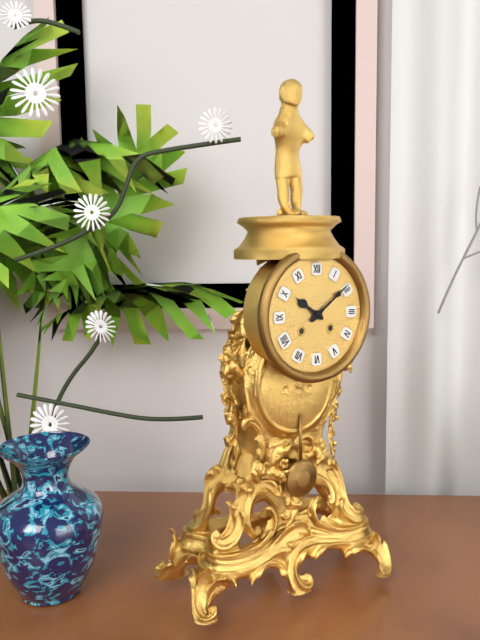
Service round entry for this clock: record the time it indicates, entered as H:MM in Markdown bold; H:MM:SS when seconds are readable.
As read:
**10:09**
